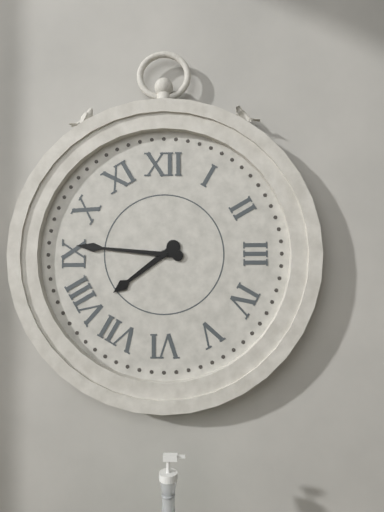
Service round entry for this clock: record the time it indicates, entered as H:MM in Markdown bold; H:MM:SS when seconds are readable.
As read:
**7:46**
